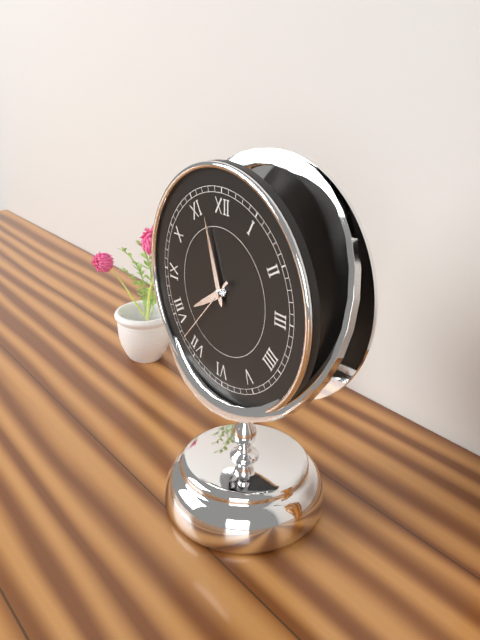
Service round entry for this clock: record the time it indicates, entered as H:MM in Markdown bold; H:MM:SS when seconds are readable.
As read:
**7:57:37**
